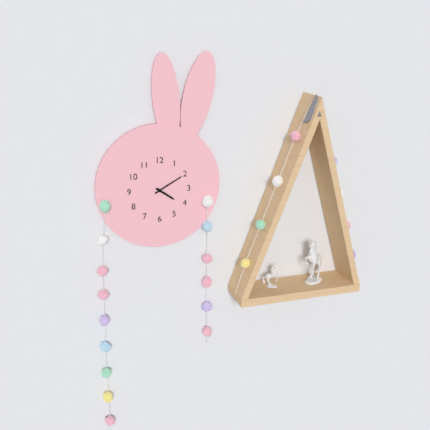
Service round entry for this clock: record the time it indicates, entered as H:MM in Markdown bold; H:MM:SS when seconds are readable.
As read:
**4:10**
